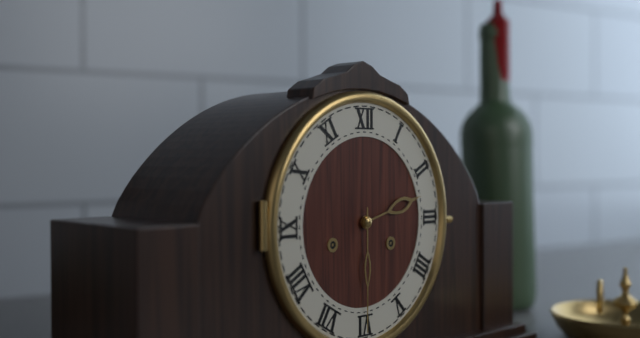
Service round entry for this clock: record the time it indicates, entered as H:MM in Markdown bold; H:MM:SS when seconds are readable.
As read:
**2:30**
